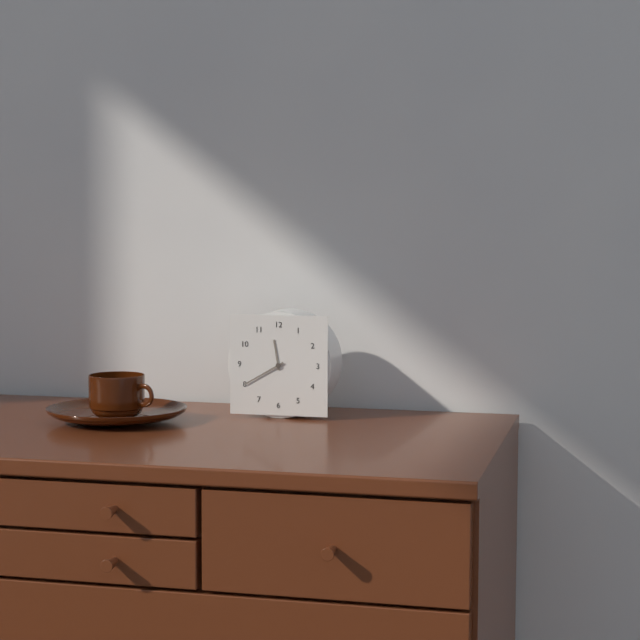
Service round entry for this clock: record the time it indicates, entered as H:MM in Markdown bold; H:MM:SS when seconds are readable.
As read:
**11:40**
